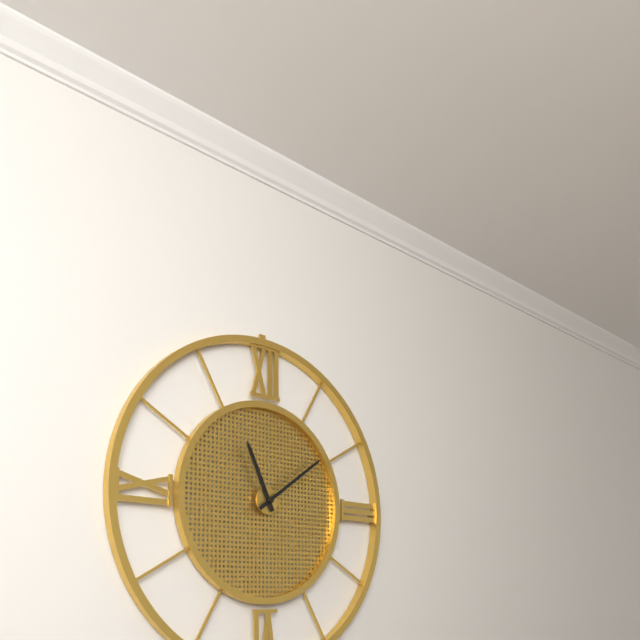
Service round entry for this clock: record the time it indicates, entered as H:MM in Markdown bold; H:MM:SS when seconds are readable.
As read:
**11:09**
